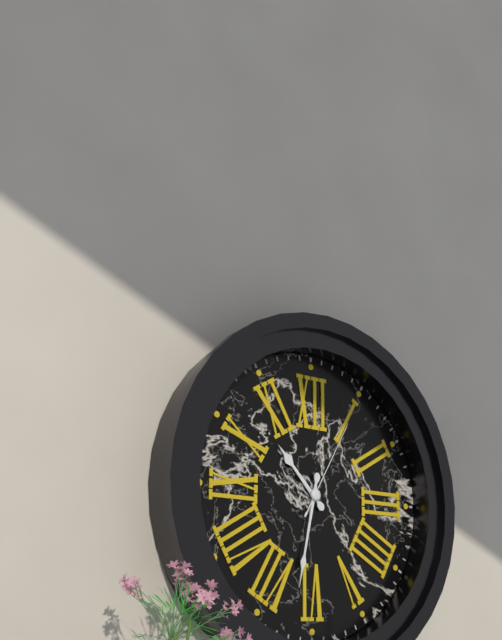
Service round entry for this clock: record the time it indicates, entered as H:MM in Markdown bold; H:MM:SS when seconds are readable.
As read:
**10:32:05**
